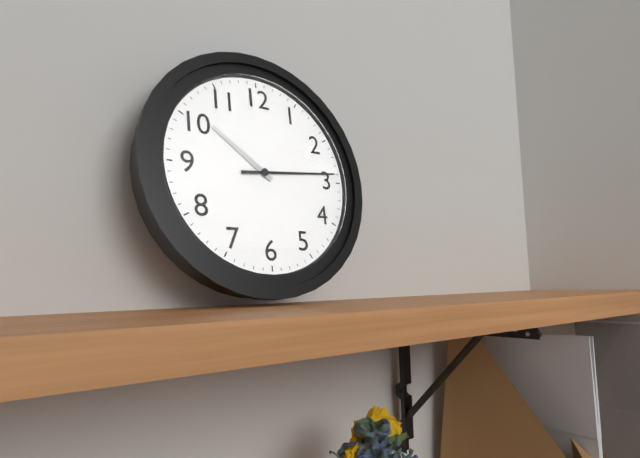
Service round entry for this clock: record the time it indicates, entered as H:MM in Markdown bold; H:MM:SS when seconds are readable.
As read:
**10:14**
